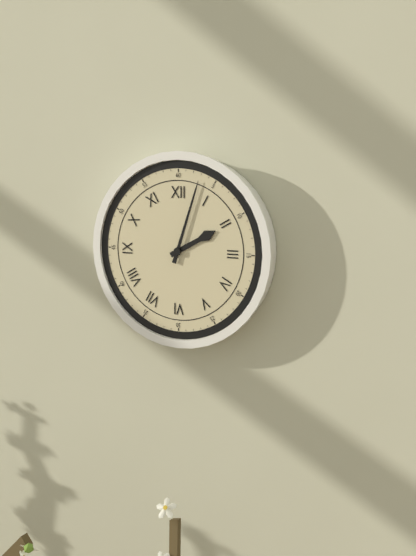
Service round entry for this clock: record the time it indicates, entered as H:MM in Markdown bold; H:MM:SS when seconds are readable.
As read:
**2:03**
